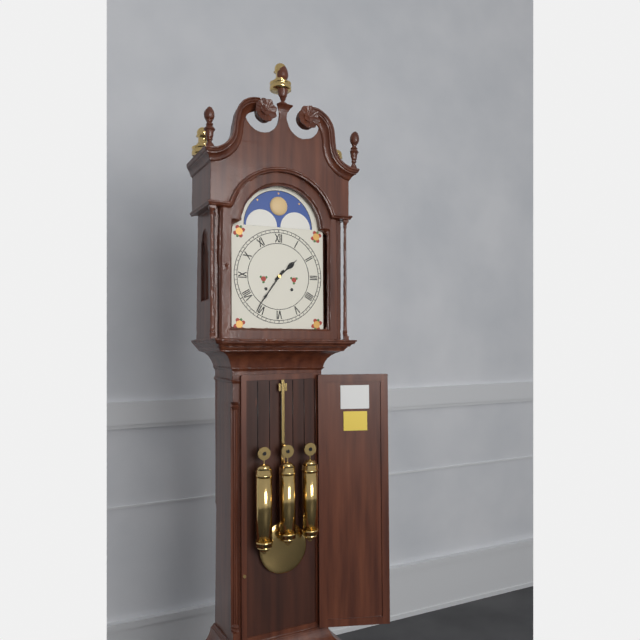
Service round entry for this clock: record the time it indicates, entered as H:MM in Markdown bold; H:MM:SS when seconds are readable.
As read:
**1:36**
